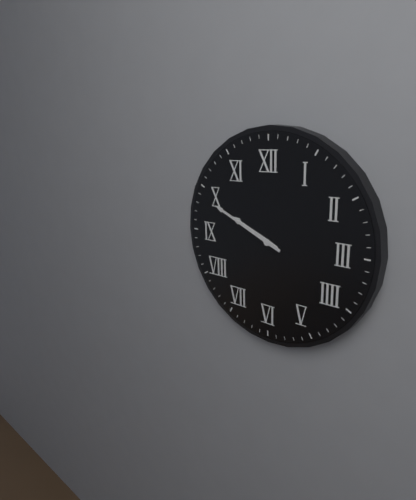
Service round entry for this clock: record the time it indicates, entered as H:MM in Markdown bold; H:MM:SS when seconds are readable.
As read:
**9:49**
